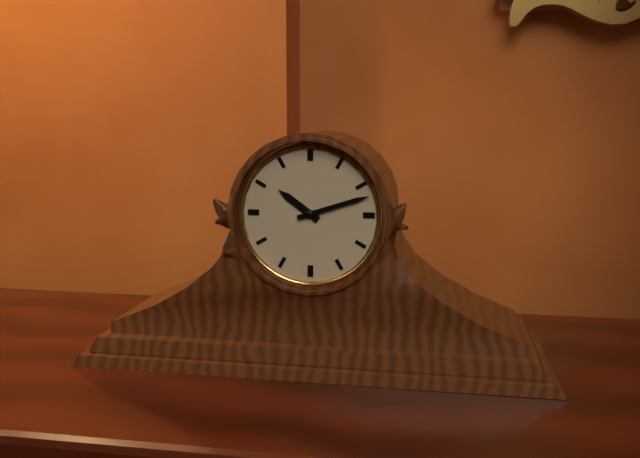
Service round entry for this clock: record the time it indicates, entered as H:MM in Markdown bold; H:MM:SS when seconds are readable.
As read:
**10:12**
